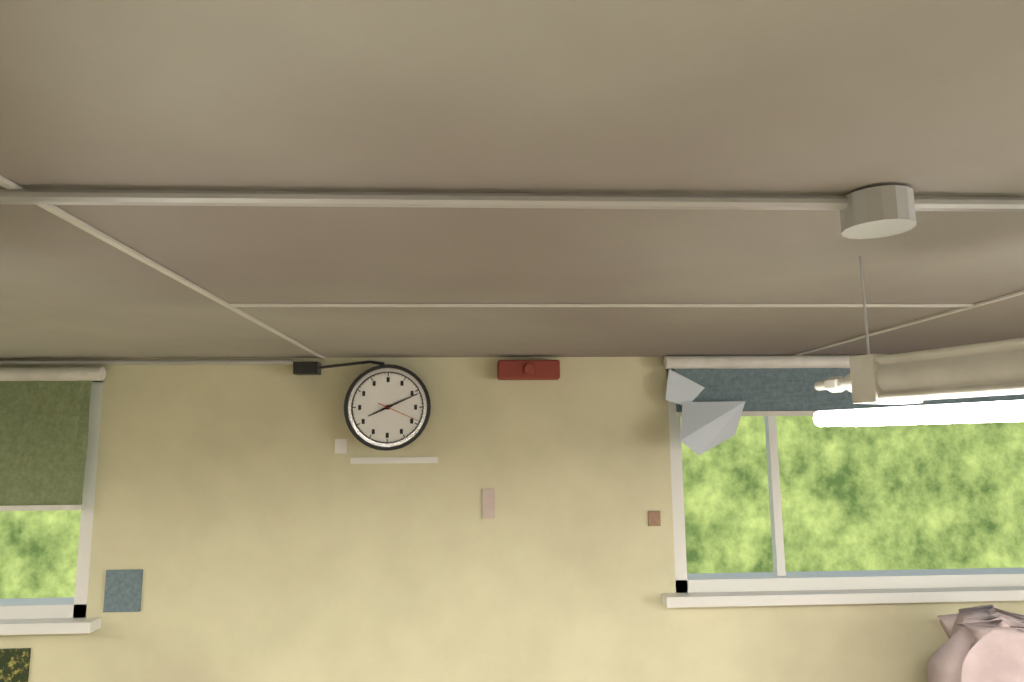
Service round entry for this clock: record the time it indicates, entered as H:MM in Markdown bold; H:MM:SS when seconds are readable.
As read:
**8:11**
